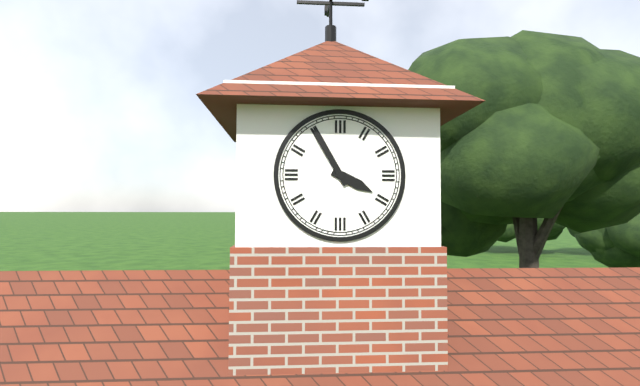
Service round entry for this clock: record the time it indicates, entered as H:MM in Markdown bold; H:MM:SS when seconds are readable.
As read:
**3:55**
